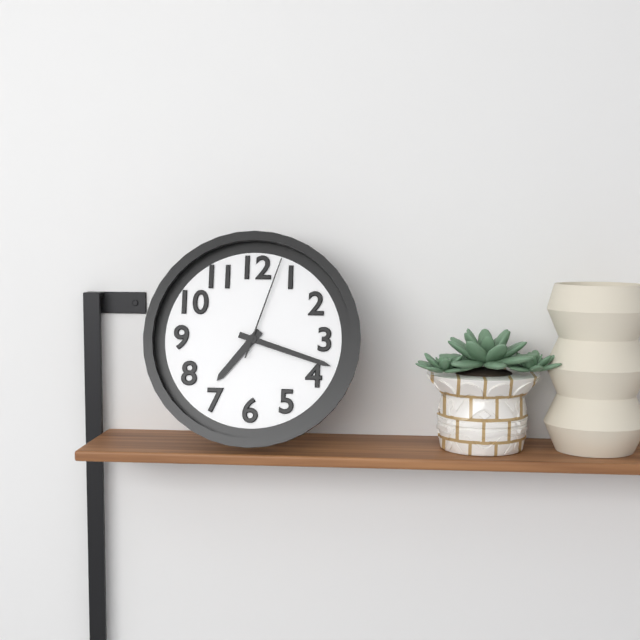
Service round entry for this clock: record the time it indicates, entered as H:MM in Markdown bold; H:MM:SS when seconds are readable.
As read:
**7:18:03**
